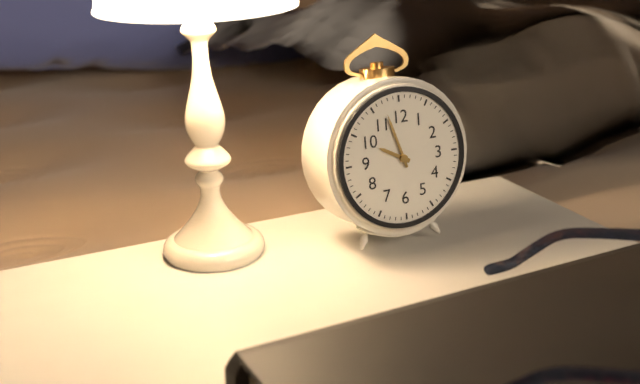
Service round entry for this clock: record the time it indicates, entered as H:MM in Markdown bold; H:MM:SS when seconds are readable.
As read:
**9:57**
